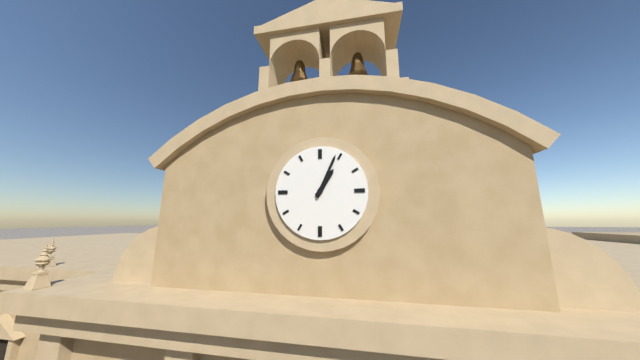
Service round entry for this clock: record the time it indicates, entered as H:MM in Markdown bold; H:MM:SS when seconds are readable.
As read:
**1:04**
